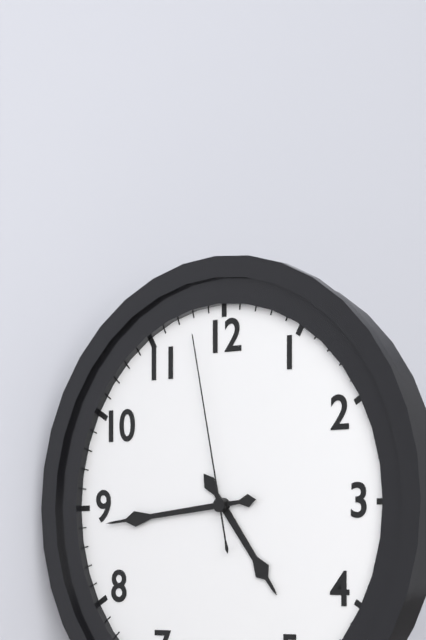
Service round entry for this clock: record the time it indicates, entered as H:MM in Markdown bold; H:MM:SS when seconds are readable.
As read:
**4:44:58**
